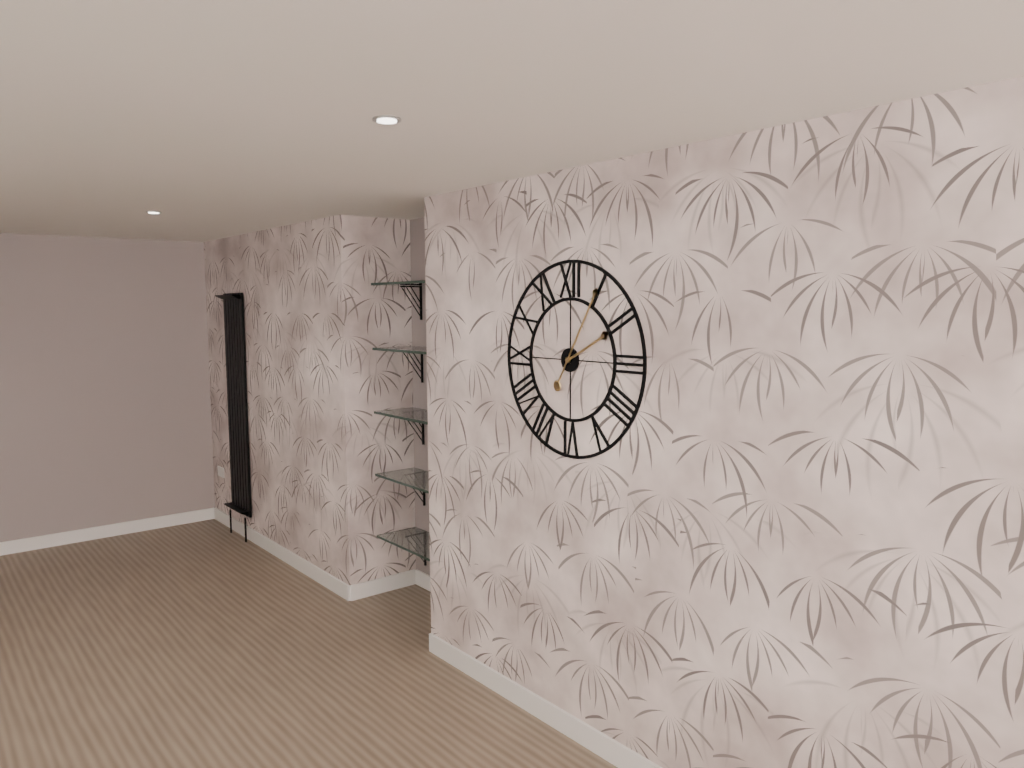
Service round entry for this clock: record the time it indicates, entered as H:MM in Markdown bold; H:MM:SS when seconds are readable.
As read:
**2:05**
